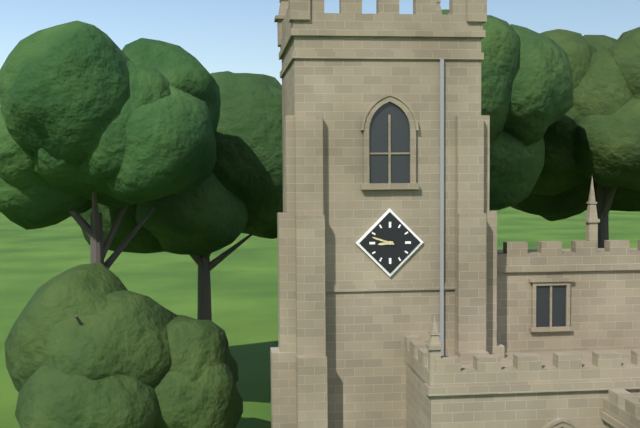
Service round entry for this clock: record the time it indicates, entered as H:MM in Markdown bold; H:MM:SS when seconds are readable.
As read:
**8:48**
